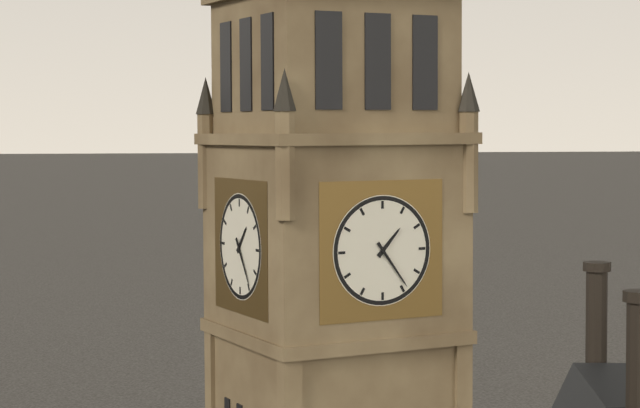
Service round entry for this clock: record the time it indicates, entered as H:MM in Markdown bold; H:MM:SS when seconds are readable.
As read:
**1:24**
